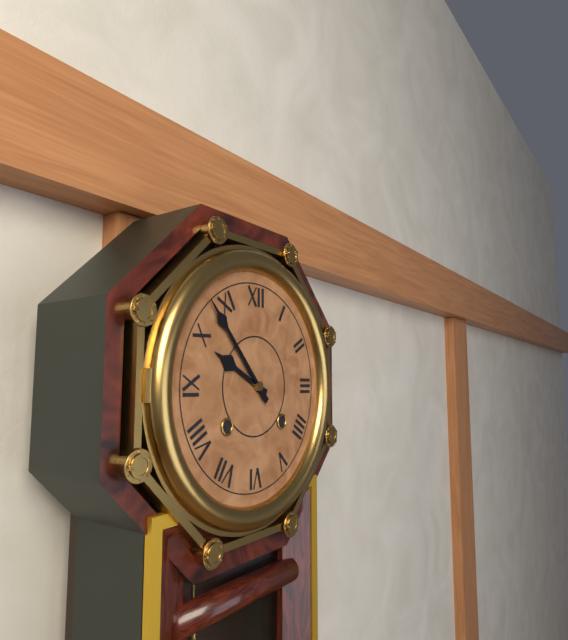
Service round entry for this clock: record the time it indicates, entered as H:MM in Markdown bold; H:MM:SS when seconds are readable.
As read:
**9:53**
